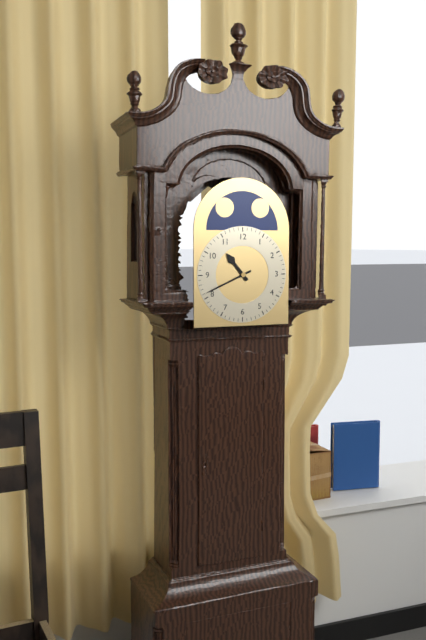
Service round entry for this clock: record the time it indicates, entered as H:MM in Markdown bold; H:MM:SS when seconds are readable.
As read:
**10:41**
